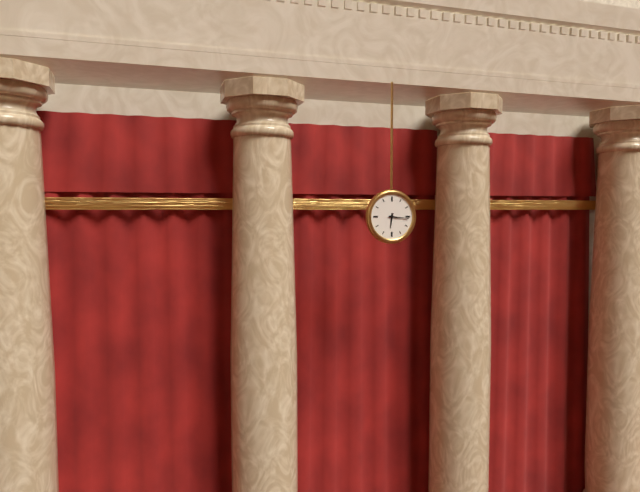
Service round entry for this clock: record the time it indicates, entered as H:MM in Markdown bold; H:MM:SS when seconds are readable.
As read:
**6:16**
